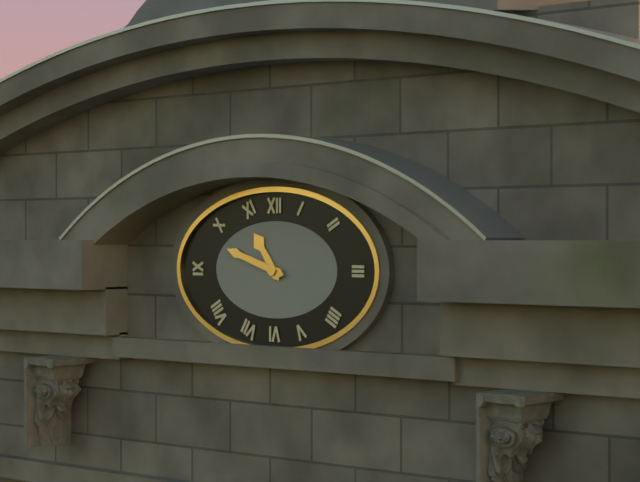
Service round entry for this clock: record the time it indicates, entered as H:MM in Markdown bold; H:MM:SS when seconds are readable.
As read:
**10:48**
